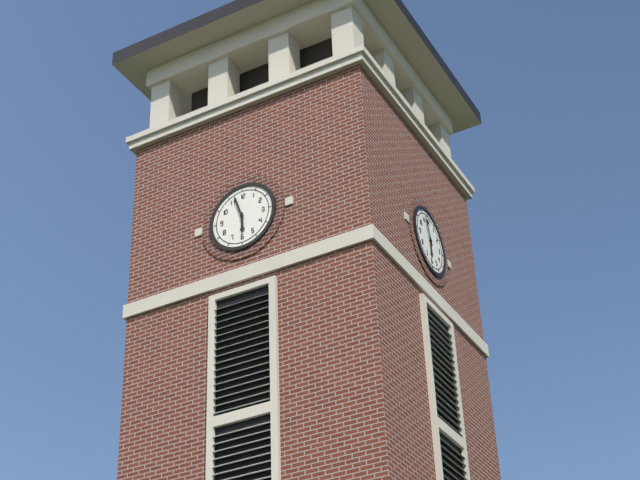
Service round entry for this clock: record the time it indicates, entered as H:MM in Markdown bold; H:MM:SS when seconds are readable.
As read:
**5:57**
